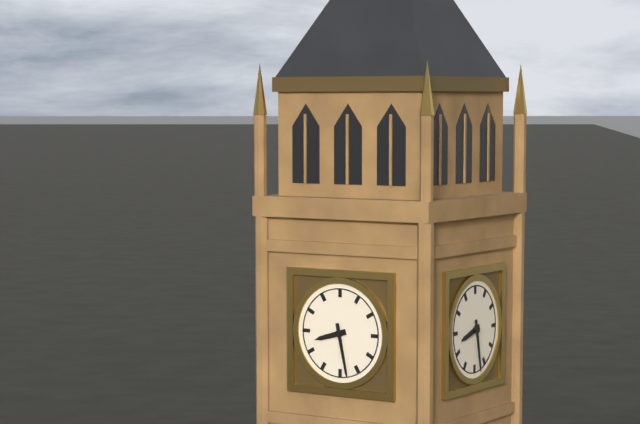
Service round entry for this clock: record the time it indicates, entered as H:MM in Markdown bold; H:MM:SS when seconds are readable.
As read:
**8:28**
